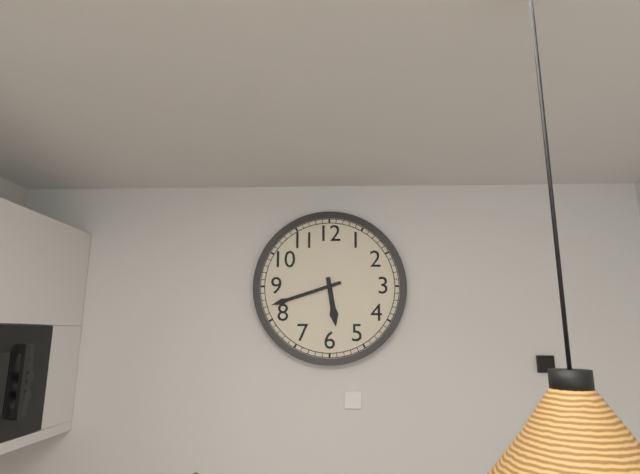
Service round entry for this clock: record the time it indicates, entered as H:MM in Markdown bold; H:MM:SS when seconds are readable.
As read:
**5:42**
